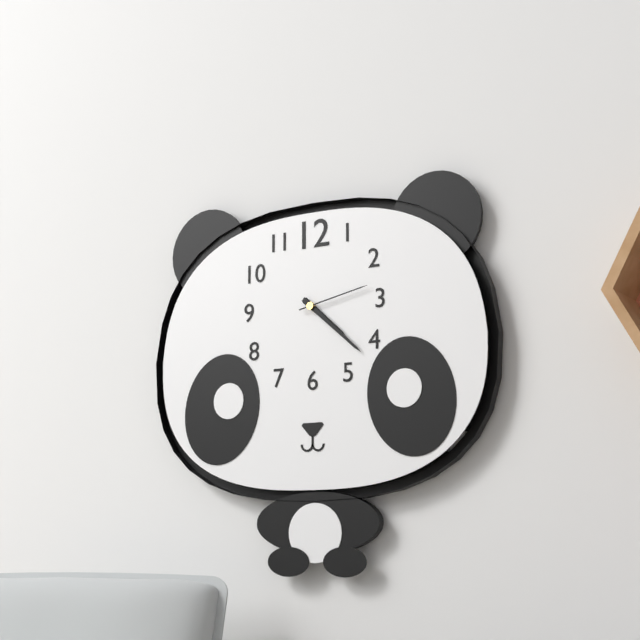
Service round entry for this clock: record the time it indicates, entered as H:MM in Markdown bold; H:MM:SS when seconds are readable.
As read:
**4:22:13**
